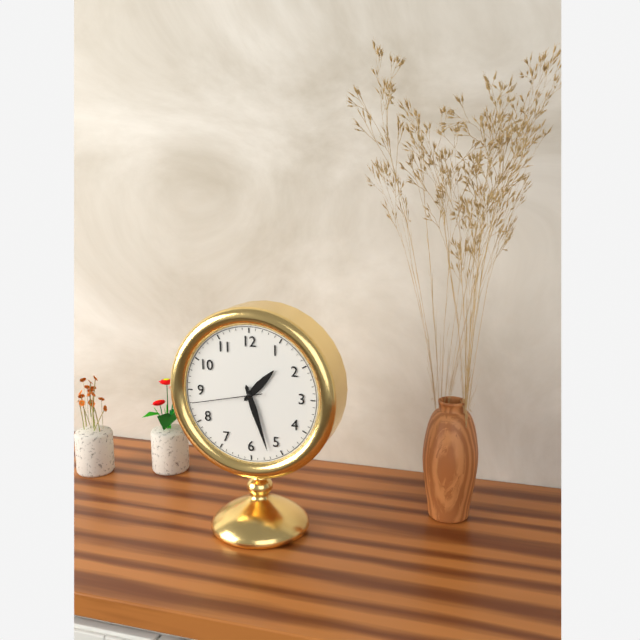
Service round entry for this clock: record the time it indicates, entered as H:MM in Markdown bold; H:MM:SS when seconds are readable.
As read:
**1:27:43**
